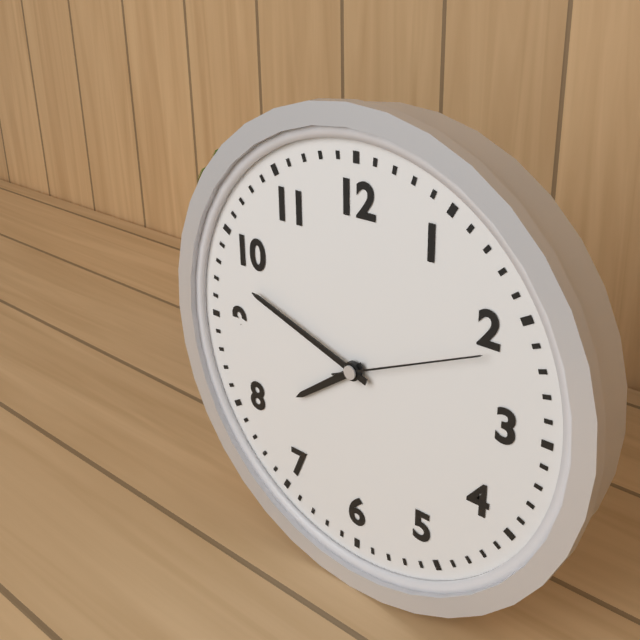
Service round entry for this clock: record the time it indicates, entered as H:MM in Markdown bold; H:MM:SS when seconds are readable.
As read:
**7:48:11**
